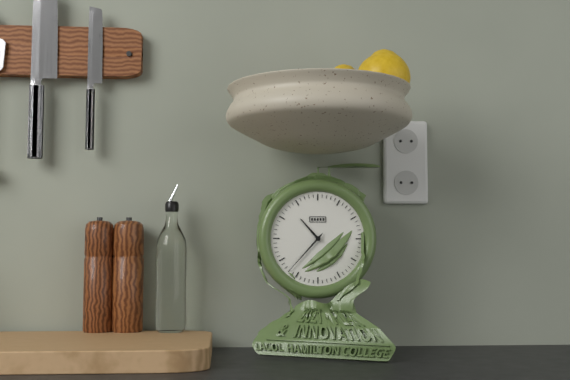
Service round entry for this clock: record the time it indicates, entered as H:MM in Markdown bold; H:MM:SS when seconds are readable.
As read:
**10:37**
